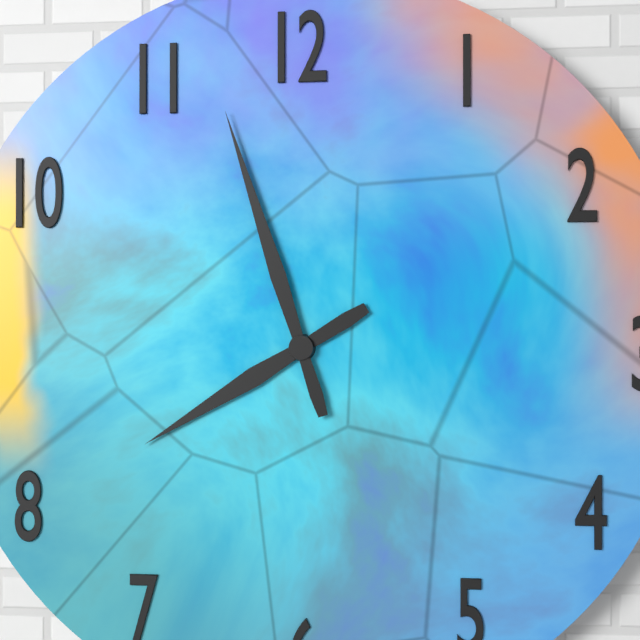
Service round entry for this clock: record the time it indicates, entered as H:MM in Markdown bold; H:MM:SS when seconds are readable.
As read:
**7:57**
